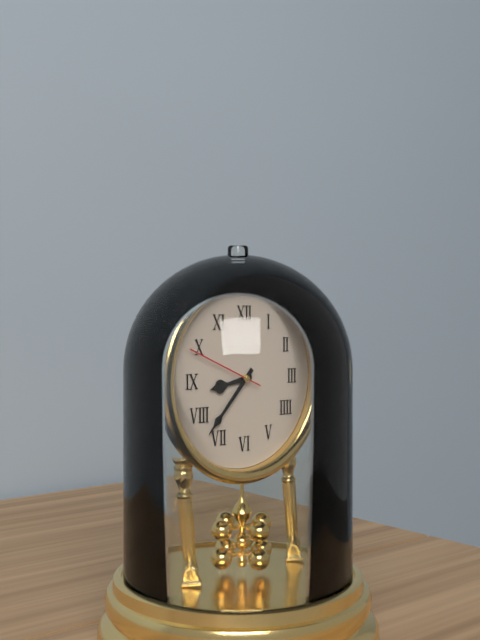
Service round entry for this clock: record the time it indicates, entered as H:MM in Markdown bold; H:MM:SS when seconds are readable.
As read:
**8:37:49**
